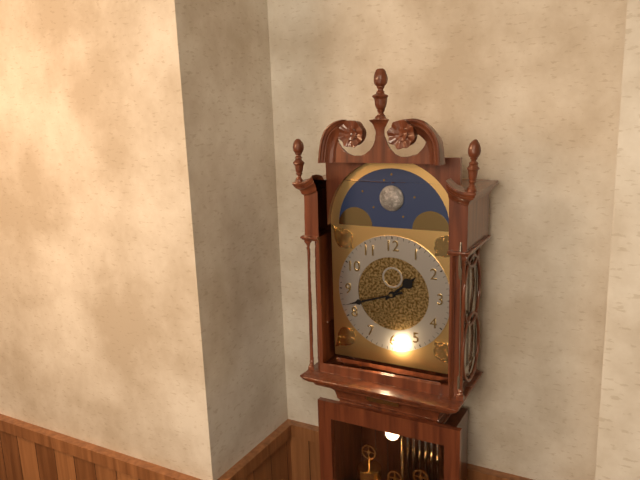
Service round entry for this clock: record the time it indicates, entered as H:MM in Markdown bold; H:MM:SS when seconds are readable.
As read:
**1:42**
